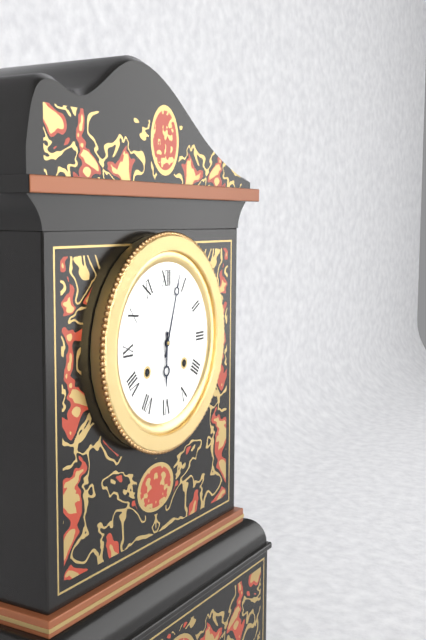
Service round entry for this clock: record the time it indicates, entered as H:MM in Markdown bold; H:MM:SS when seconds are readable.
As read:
**6:03**
